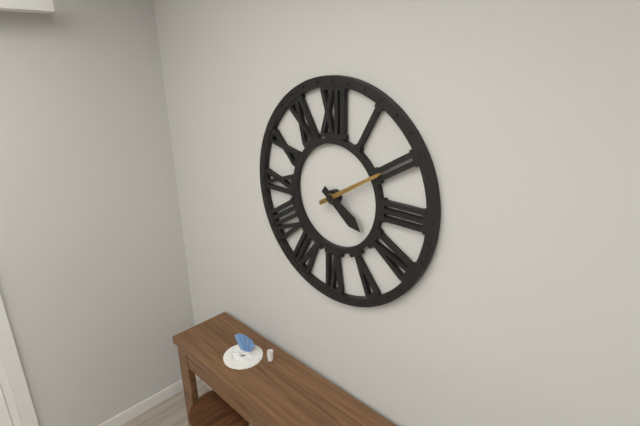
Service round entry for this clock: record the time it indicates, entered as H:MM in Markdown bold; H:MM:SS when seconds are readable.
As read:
**4:10**
